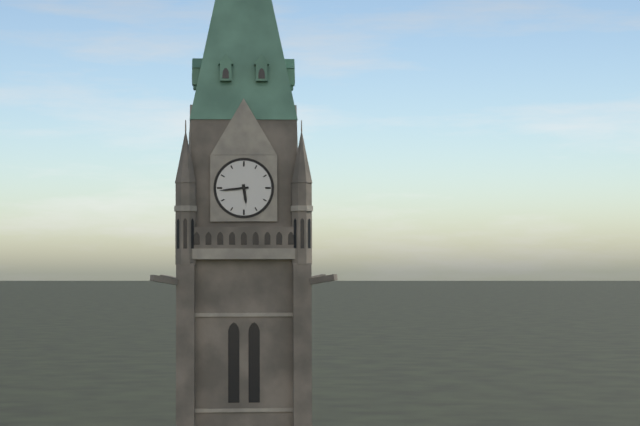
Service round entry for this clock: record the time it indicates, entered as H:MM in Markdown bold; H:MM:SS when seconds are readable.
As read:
**5:44**
